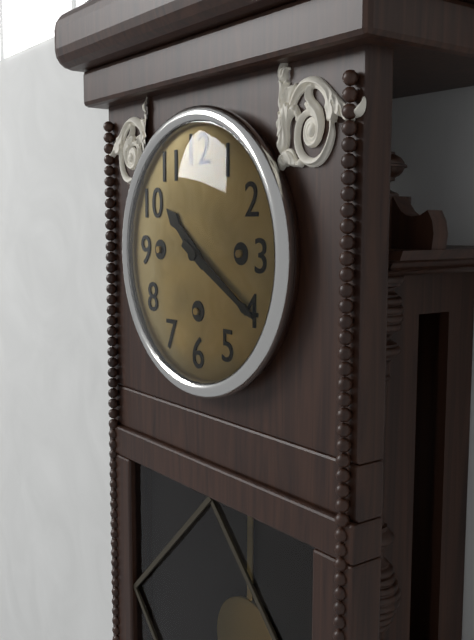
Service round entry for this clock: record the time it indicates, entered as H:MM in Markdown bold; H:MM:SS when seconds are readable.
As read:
**10:20**
